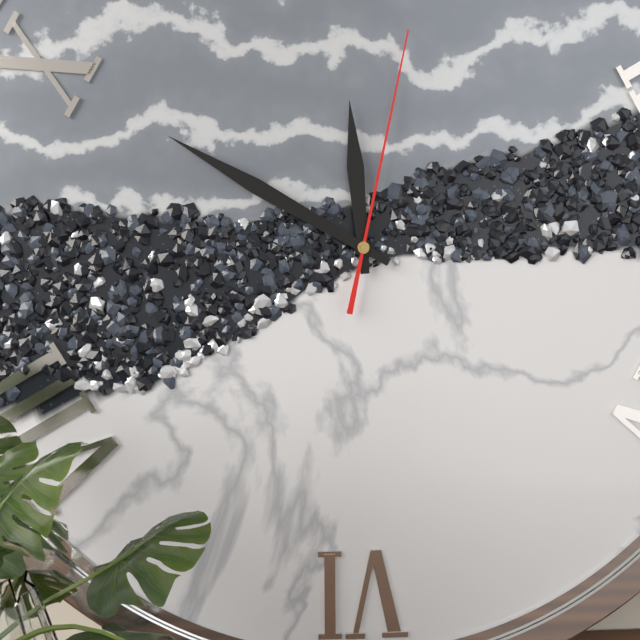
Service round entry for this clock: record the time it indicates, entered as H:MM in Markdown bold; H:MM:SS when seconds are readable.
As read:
**11:50:02**
